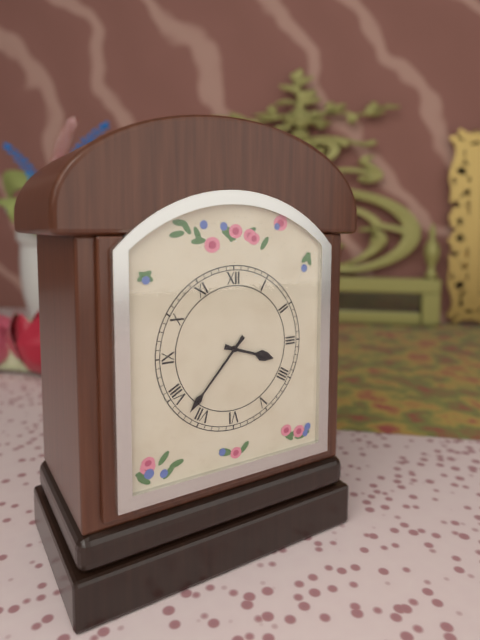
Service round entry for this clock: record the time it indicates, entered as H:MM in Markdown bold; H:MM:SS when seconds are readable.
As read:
**3:37**
